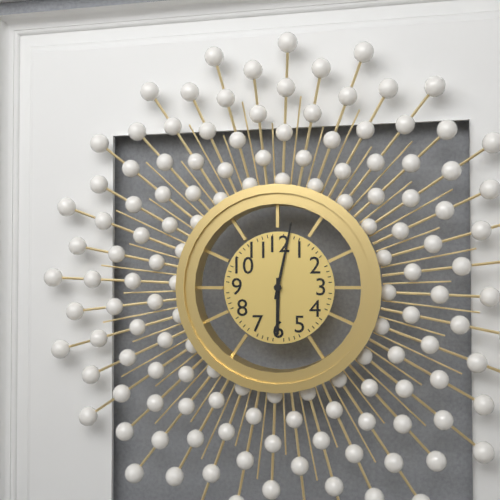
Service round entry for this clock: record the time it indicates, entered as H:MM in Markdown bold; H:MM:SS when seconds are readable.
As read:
**6:02**
